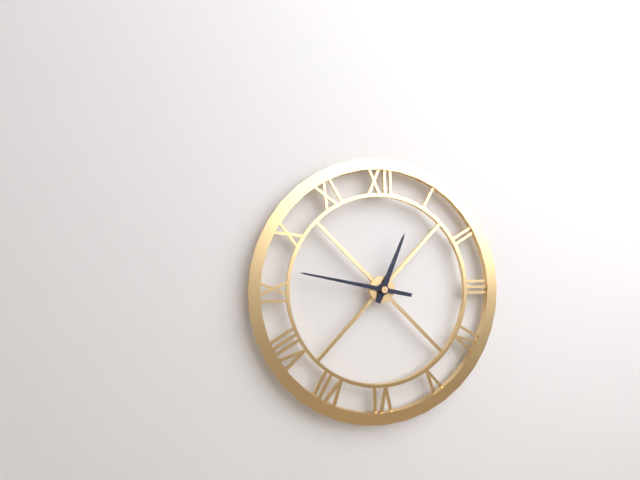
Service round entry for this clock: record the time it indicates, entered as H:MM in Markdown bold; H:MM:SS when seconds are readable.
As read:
**12:47**
